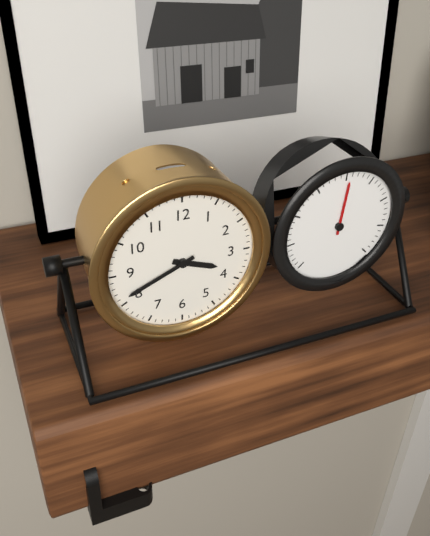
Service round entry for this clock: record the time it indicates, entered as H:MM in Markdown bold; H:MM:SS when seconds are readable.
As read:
**3:41**
